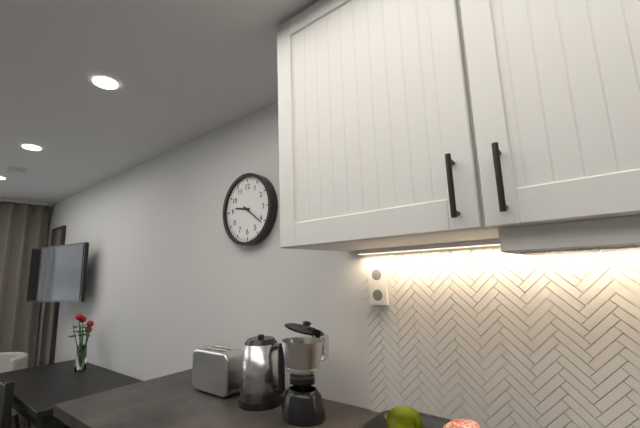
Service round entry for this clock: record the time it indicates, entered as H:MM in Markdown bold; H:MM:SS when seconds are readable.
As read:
**9:21**
